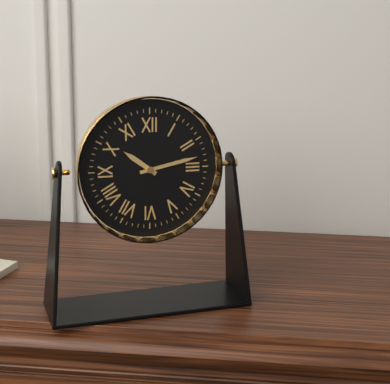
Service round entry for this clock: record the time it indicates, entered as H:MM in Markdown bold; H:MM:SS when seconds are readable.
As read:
**10:13**
